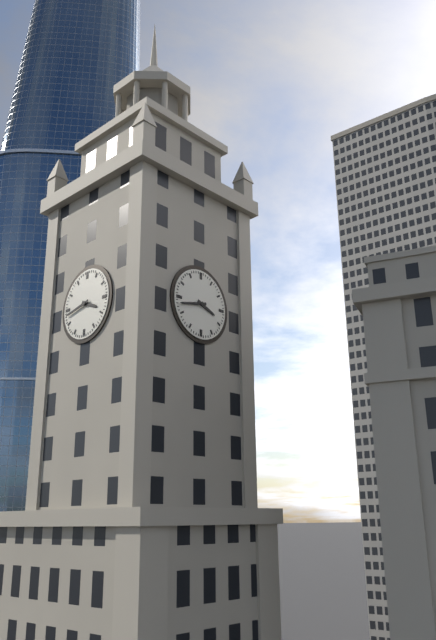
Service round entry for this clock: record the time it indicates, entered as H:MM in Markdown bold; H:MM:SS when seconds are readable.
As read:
**3:43**
